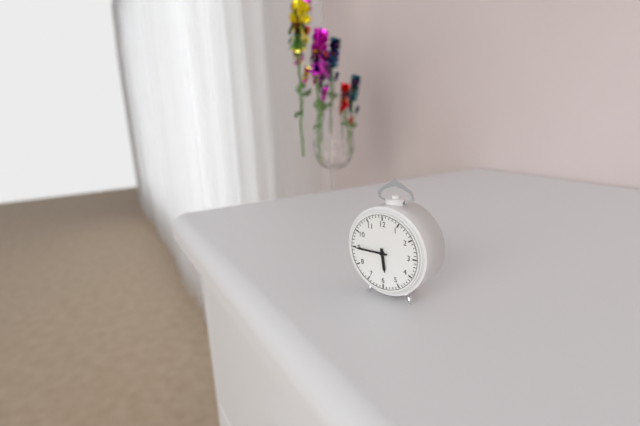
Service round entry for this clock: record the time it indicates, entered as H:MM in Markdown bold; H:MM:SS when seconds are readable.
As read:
**5:45**
